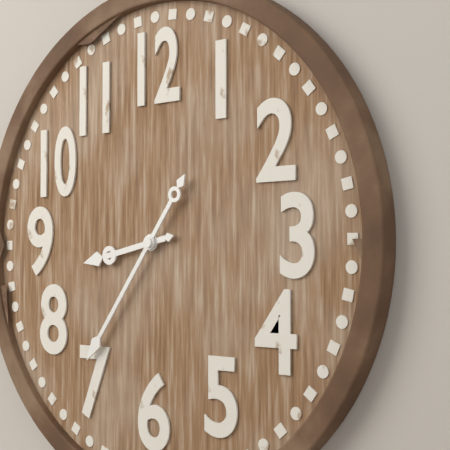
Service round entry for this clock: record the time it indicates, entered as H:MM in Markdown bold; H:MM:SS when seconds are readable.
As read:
**8:36**
